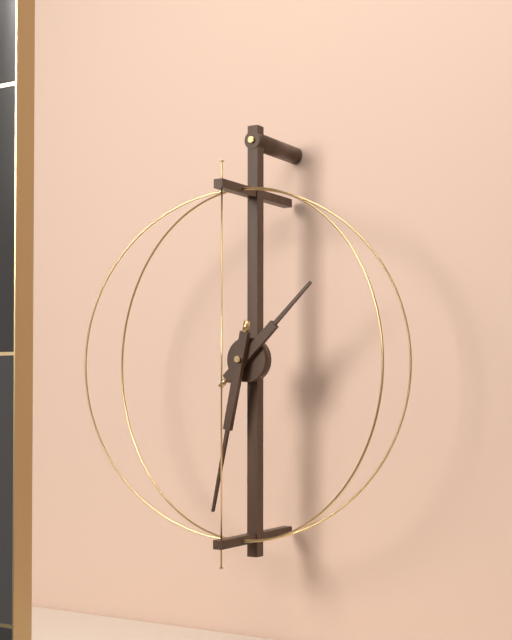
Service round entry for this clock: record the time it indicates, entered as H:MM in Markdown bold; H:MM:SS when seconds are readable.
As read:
**1:32**
